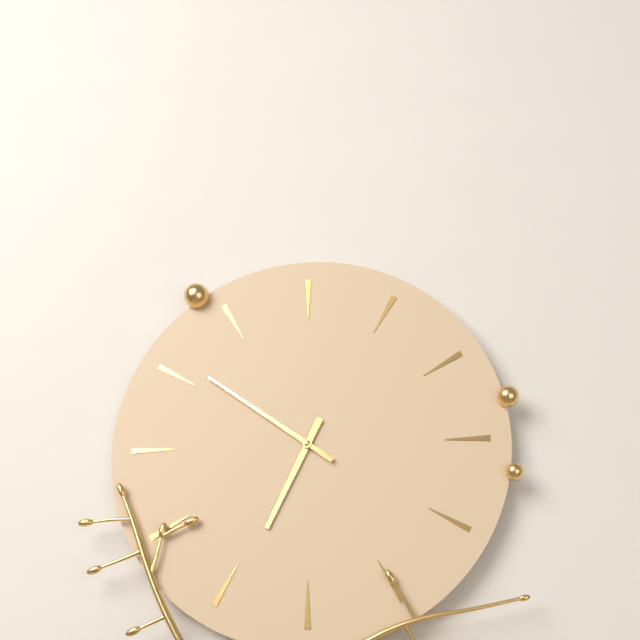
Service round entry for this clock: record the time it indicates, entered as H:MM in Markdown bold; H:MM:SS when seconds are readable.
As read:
**6:51**
